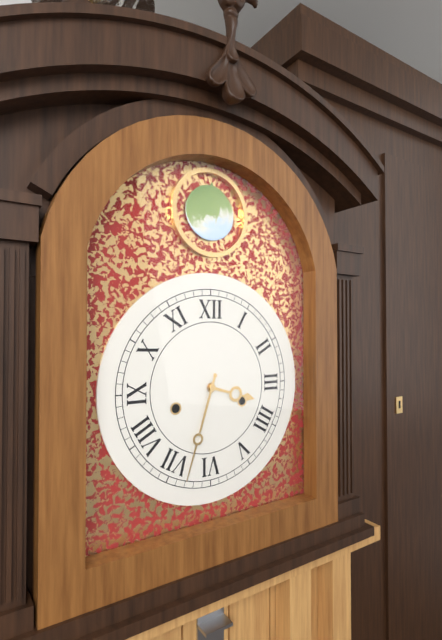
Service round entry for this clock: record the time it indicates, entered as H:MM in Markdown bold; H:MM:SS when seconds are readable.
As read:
**3:33**
